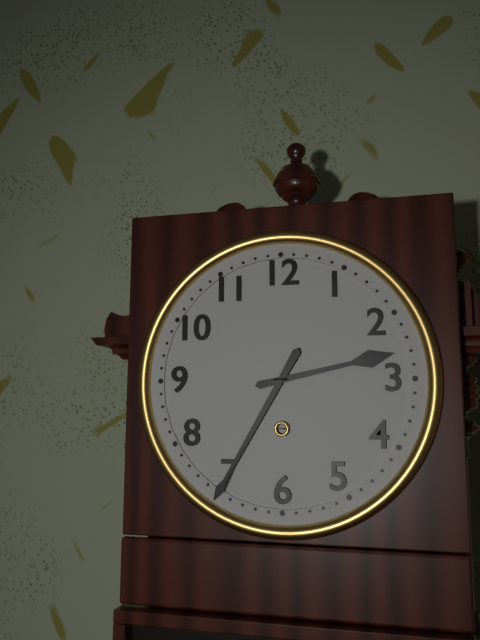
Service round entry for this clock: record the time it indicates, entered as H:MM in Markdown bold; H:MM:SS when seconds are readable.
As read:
**2:35**
